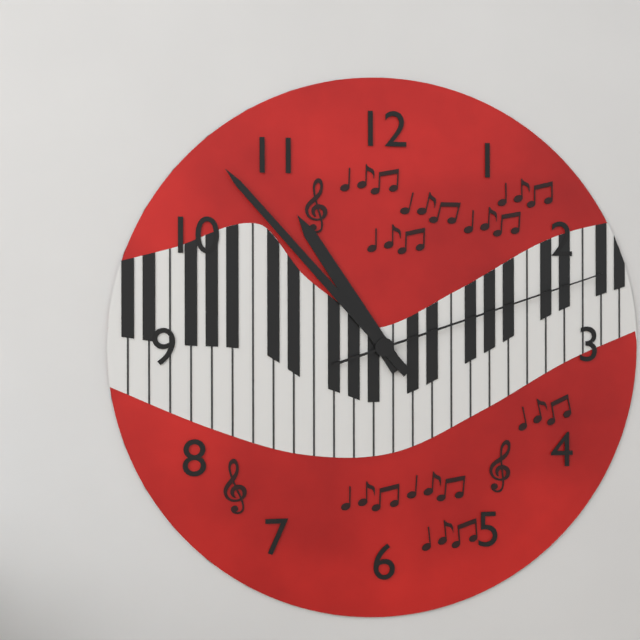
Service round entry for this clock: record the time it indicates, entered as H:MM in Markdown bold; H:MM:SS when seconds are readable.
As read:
**10:53:12**
